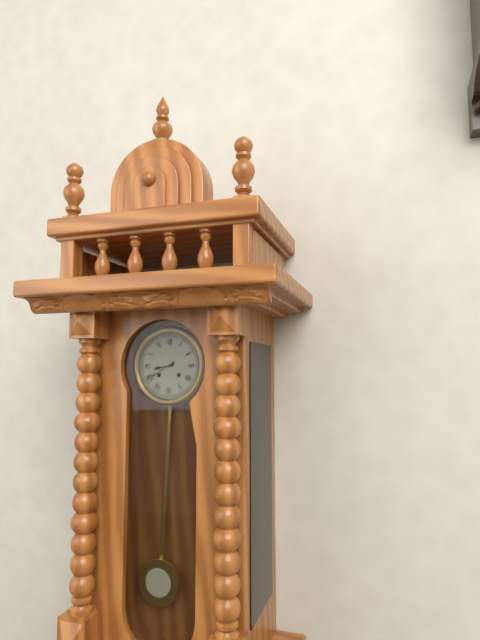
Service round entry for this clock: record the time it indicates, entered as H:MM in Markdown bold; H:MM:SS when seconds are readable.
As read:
**8:40**
